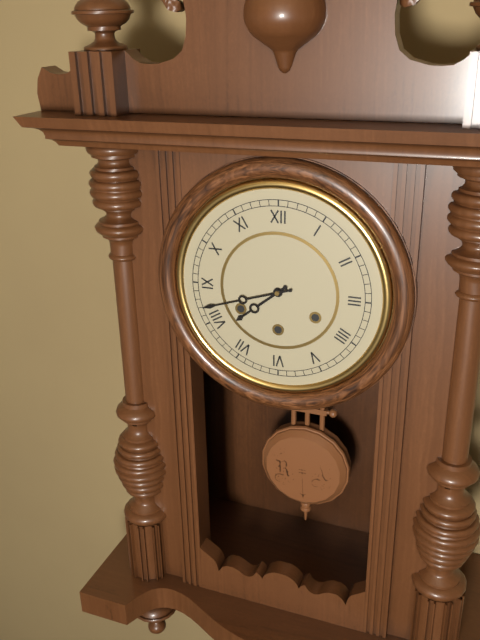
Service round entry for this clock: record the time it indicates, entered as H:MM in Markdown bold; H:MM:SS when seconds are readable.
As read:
**7:42**
